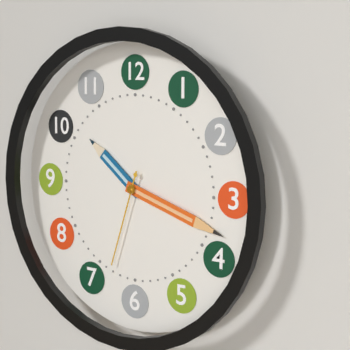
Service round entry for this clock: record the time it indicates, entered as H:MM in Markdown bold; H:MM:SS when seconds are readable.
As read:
**10:18:33**
